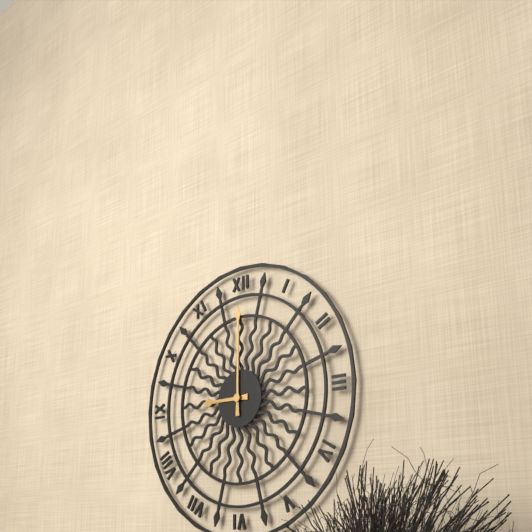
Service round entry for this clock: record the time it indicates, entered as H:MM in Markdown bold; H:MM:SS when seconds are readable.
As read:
**9:00**
